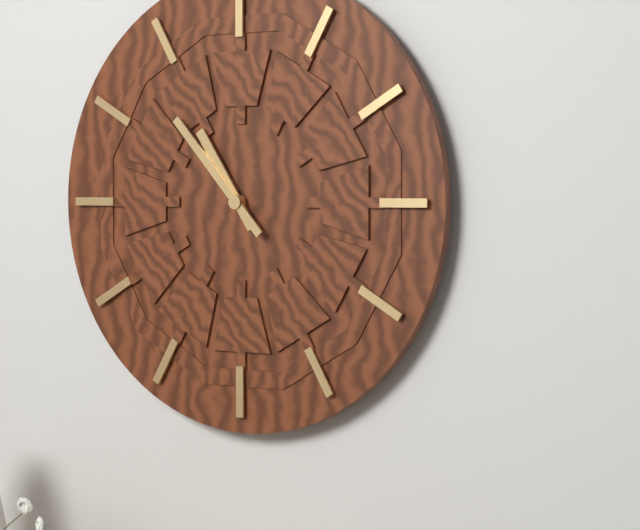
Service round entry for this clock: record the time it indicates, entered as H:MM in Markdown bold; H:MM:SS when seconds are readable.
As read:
**10:53**
